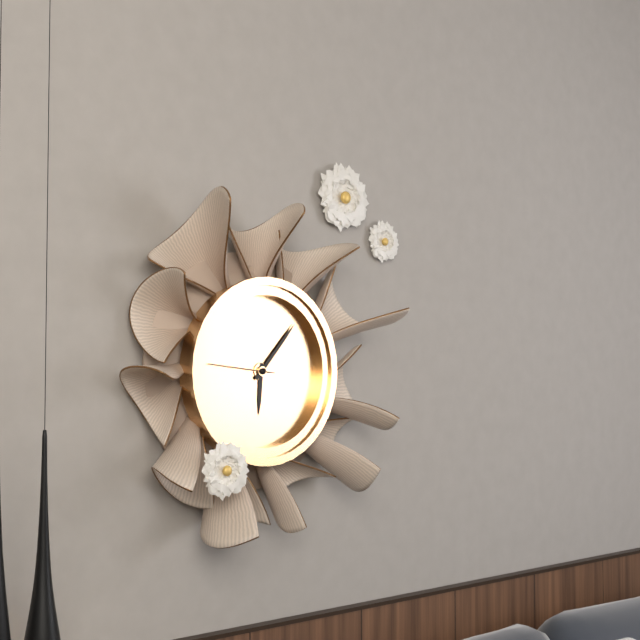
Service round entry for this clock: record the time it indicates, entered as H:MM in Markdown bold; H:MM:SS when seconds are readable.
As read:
**6:07:46**
